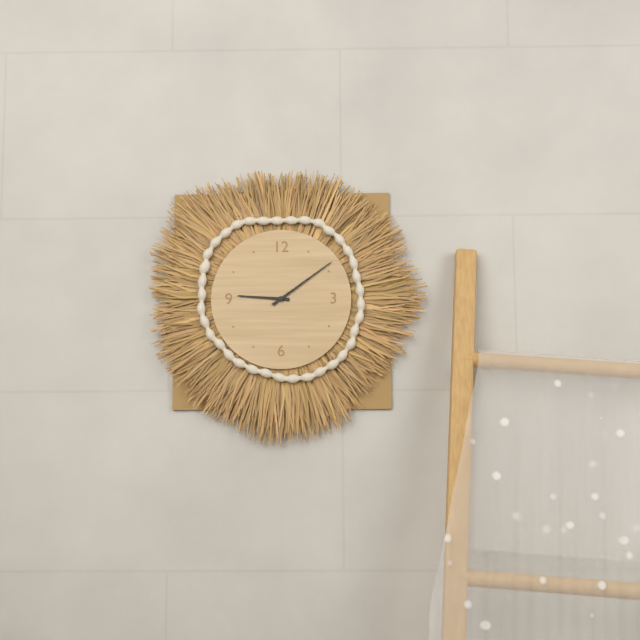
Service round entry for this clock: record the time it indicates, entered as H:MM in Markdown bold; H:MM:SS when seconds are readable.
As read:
**9:09**
